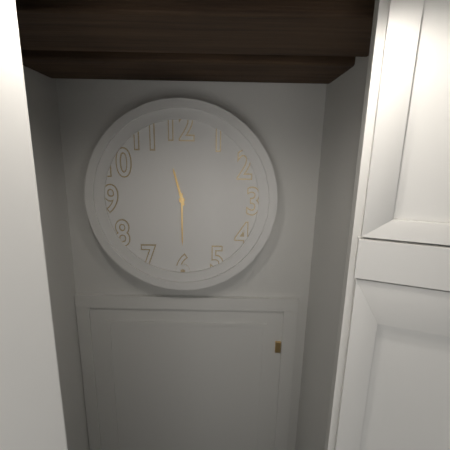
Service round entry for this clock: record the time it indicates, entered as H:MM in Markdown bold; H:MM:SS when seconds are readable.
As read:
**11:30**
